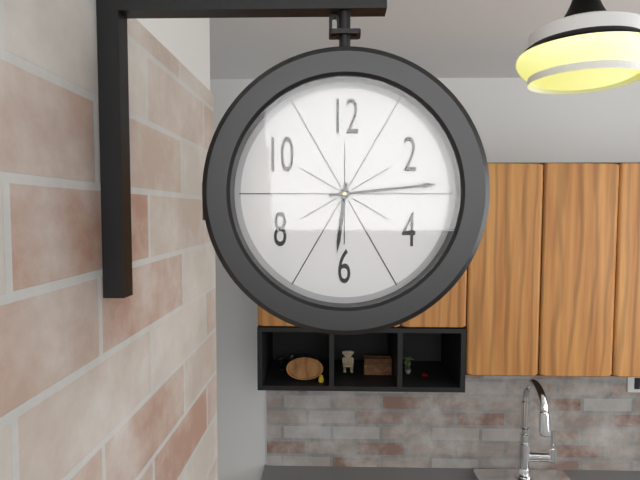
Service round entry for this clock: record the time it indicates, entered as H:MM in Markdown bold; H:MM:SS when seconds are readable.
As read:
**6:14**
